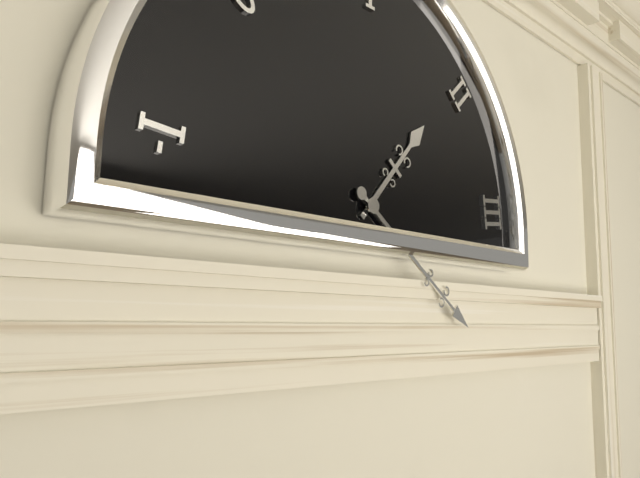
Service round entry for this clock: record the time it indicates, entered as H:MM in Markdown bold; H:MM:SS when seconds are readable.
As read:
**1:21**
